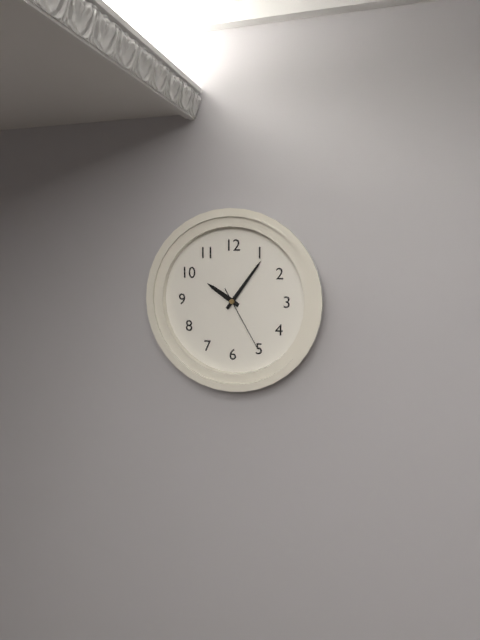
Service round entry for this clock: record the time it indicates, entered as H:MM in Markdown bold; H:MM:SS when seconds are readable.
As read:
**10:06:25**
